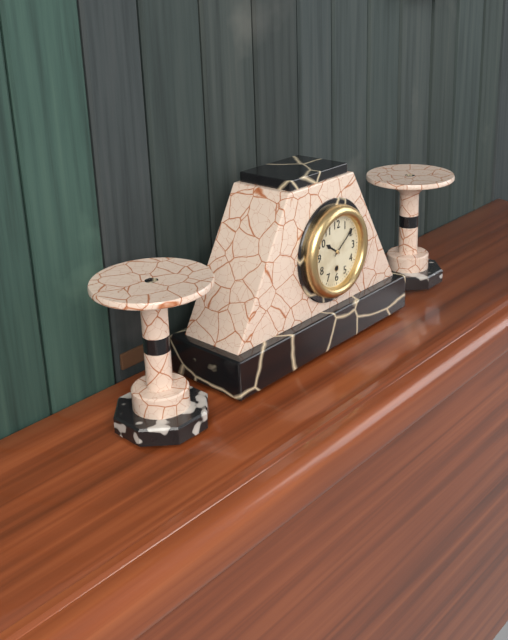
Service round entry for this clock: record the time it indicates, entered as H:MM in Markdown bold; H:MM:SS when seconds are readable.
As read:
**10:09**
